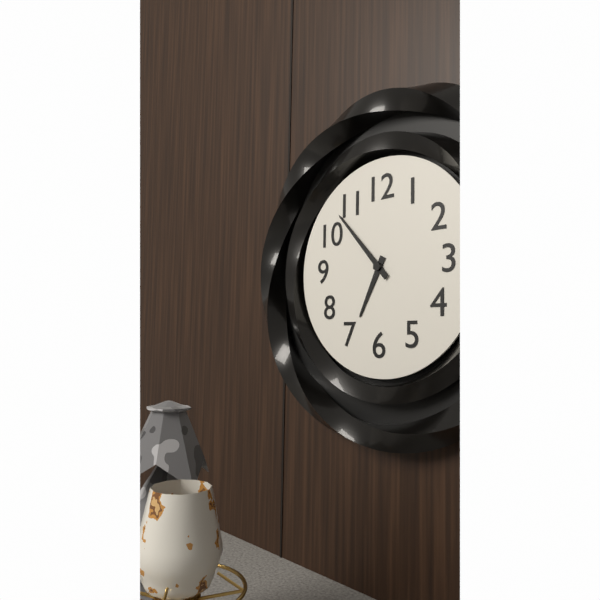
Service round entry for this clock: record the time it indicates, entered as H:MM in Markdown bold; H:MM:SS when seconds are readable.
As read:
**6:53**
